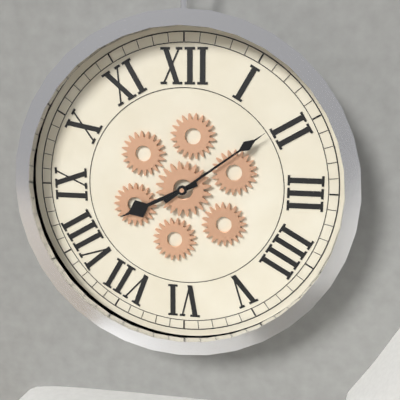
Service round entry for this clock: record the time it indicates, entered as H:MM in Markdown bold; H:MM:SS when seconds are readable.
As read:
**8:09**
